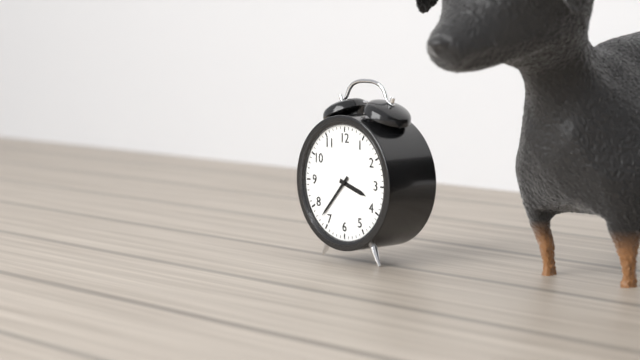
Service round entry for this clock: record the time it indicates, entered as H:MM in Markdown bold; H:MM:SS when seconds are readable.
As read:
**3:37**
